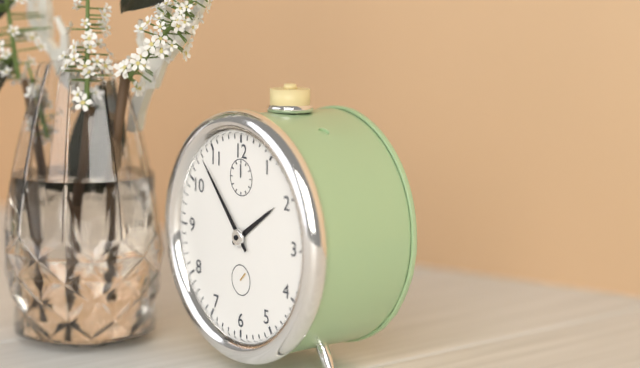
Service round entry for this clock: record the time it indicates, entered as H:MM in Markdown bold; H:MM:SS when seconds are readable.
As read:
**1:53**
